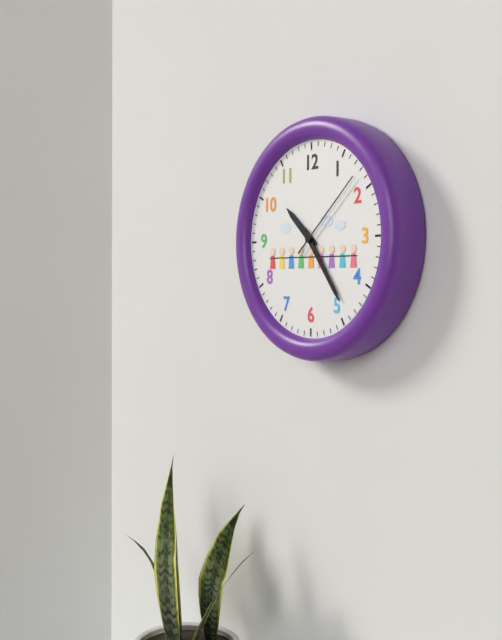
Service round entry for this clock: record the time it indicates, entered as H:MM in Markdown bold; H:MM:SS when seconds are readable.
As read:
**10:24:08**
